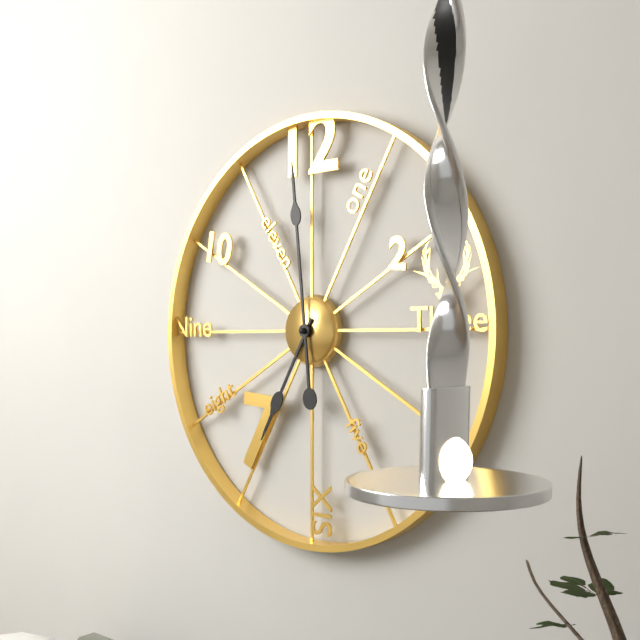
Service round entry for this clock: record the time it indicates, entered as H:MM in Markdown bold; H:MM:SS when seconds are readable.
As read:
**6:59**
